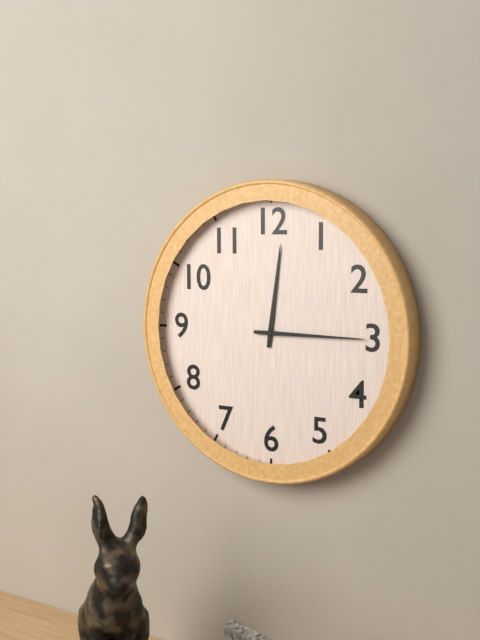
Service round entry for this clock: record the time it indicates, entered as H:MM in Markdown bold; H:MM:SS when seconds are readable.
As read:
**12:15**
